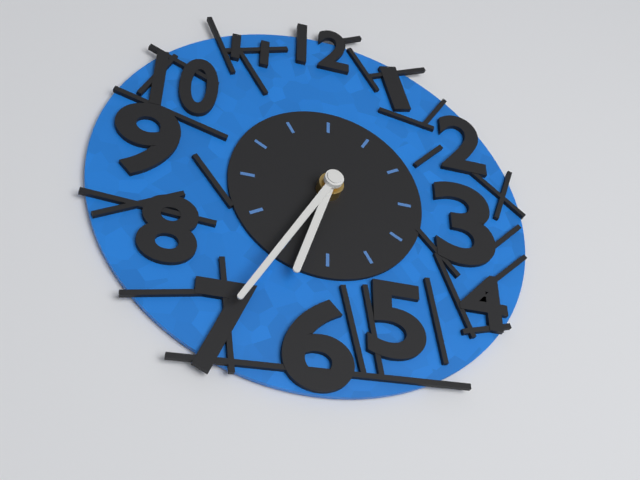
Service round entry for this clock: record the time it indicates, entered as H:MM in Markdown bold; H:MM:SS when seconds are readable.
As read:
**6:35**
